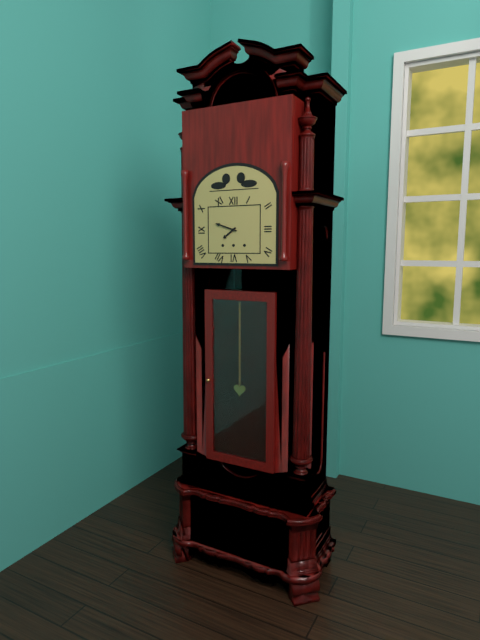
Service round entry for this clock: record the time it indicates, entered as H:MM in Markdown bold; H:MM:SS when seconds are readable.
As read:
**7:48**
